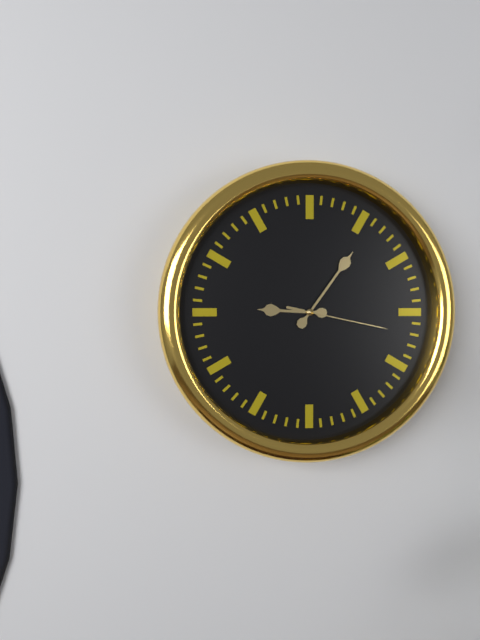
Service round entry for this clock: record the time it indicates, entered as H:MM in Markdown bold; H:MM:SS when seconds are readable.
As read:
**9:06:17**
